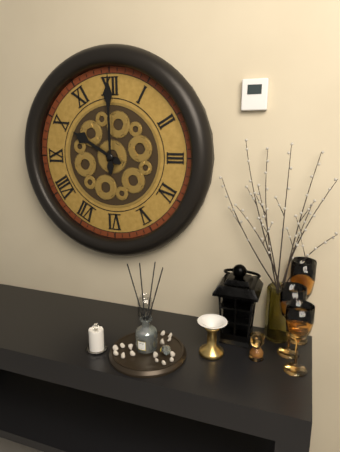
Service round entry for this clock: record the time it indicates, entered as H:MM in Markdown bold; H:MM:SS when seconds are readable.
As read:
**10:00**
